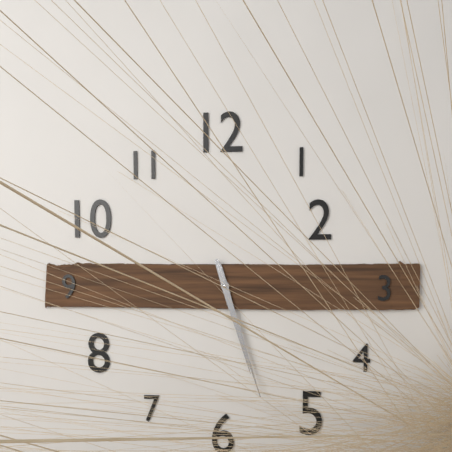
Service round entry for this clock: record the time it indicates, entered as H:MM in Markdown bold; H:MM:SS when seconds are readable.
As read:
**5:27**
